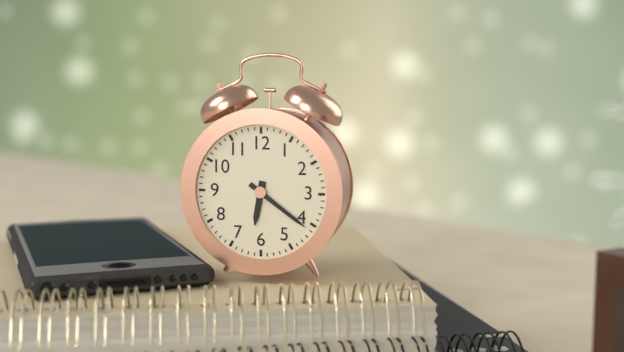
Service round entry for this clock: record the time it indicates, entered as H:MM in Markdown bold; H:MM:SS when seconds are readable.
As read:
**6:21**
